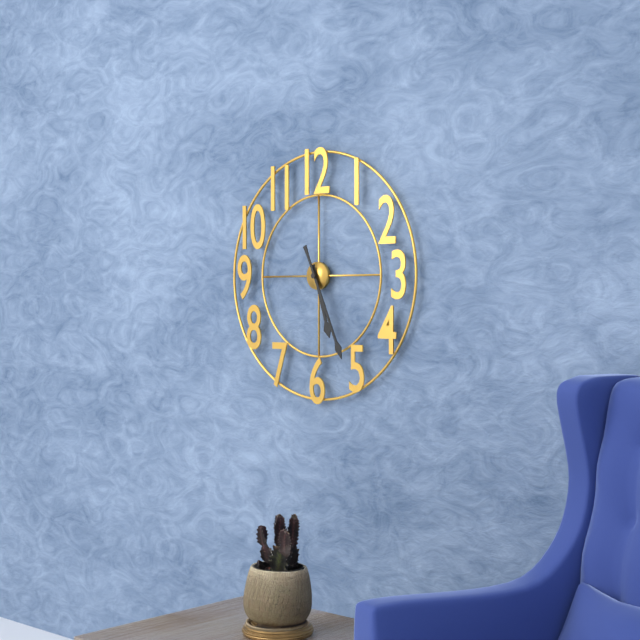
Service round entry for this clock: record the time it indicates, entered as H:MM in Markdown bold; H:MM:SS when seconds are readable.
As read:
**5:26**
